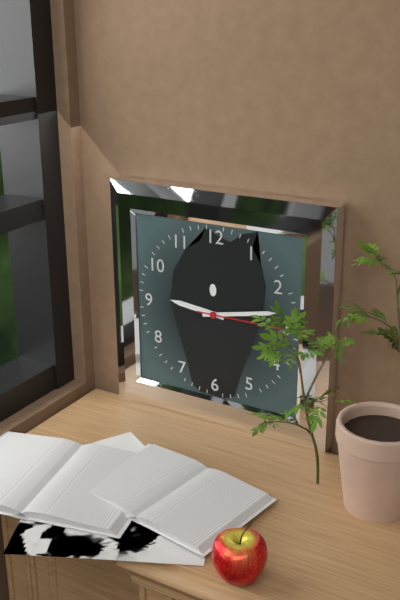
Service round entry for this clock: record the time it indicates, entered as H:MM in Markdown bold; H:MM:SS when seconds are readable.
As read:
**9:13:15**
